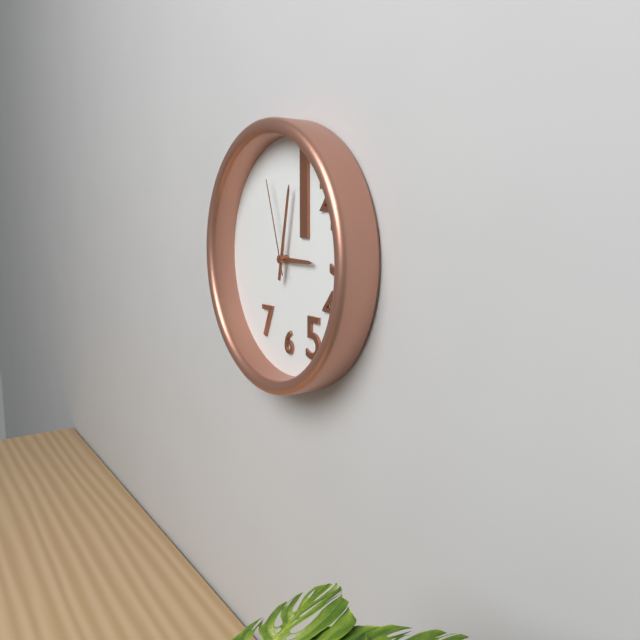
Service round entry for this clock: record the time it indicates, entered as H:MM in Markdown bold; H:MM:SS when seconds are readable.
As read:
**3:02:57**
